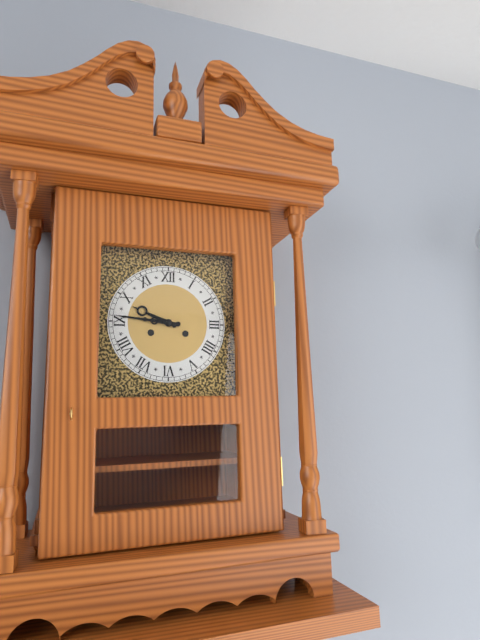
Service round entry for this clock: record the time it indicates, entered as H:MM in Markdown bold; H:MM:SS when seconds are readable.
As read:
**9:46**
